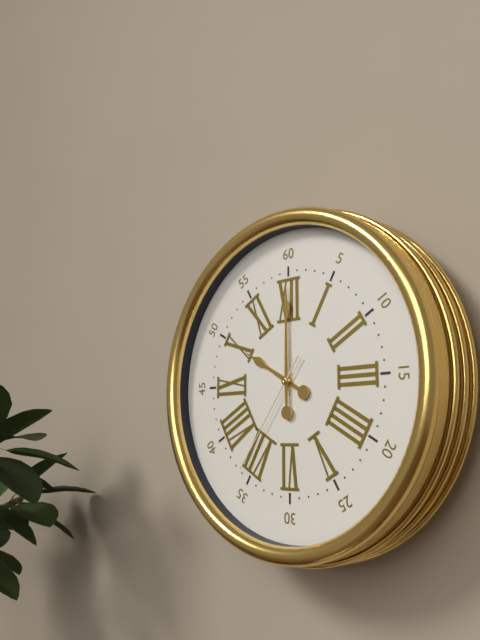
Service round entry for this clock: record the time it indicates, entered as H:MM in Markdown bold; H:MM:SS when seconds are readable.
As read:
**10:00:36**
